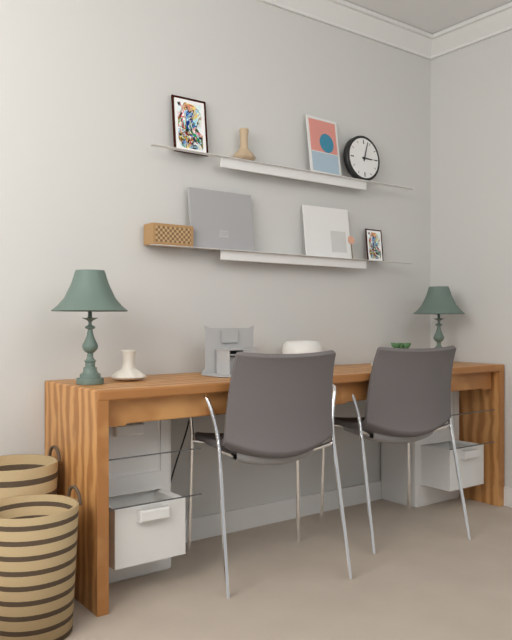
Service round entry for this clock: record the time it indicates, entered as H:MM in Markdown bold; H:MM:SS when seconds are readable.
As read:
**3:03**
